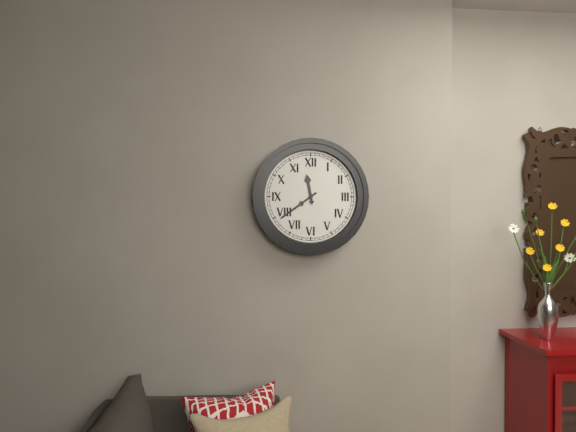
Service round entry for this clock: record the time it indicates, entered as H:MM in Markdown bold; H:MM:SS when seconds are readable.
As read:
**11:39**
